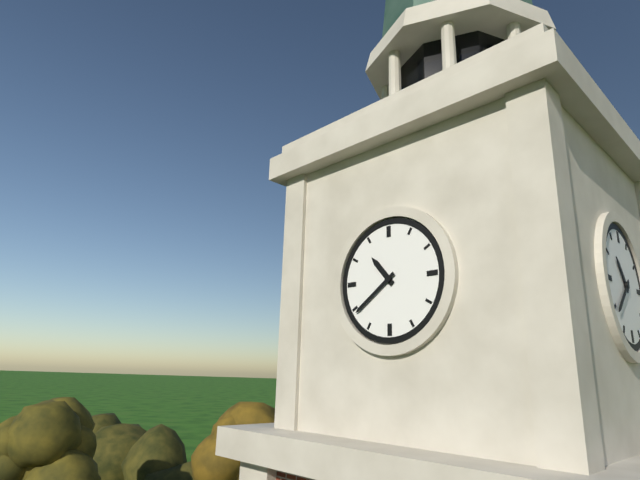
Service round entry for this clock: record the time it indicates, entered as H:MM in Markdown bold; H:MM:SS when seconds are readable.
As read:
**10:39**
